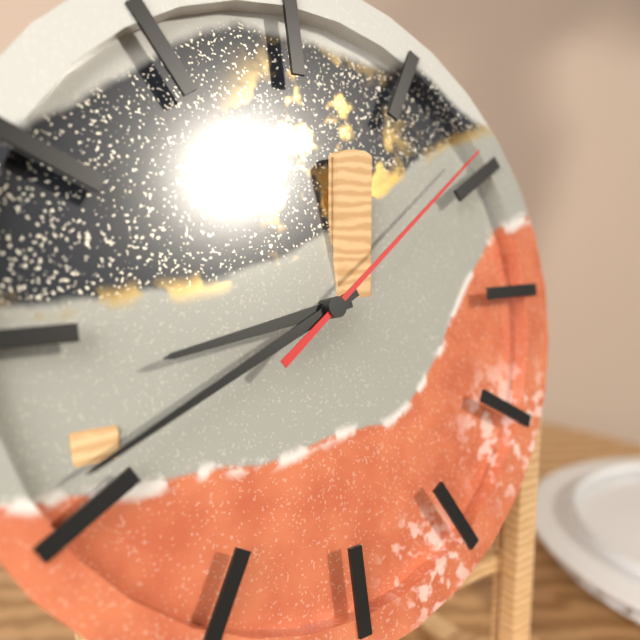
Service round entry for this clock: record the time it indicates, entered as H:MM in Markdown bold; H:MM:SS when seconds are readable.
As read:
**8:41:09**
